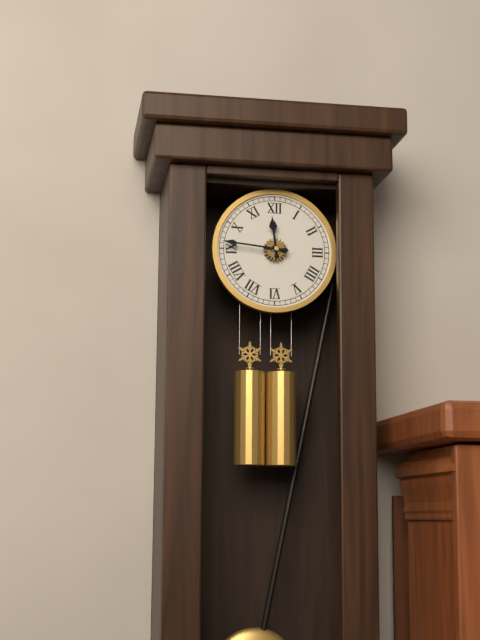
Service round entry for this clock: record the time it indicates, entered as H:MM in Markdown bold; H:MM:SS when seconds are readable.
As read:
**11:46**
